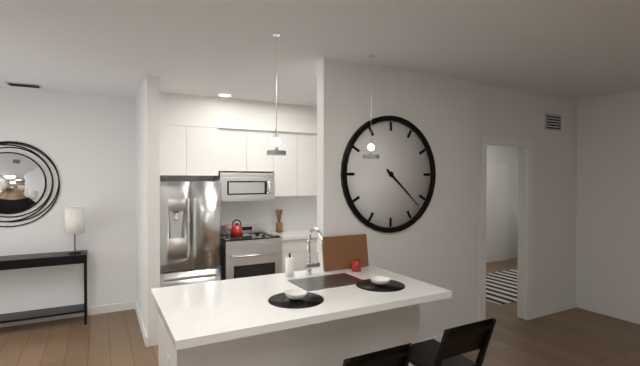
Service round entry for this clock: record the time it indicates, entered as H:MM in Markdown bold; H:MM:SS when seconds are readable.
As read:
**4:22**
